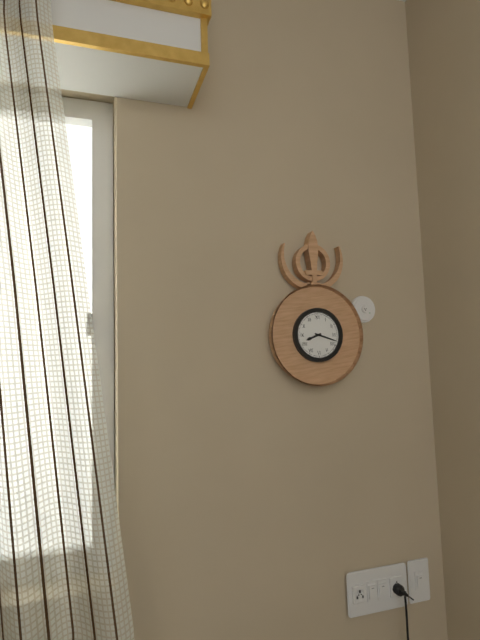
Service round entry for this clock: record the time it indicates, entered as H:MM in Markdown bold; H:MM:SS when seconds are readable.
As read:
**8:18**
